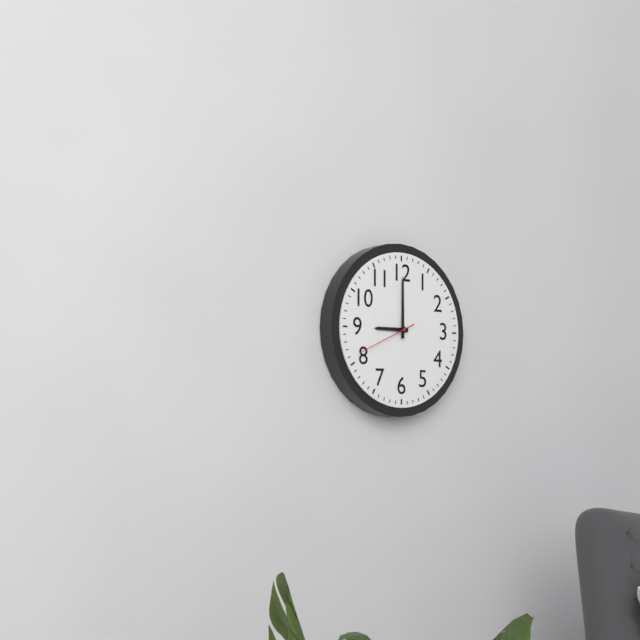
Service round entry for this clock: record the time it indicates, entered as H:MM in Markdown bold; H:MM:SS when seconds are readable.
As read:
**9:00:41**
